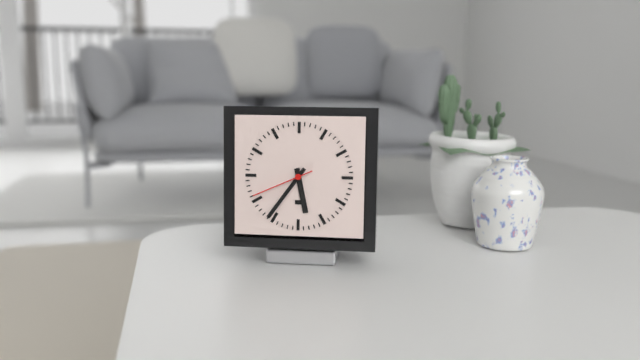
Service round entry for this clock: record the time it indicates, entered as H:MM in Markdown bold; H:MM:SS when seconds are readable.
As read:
**5:36:41**
